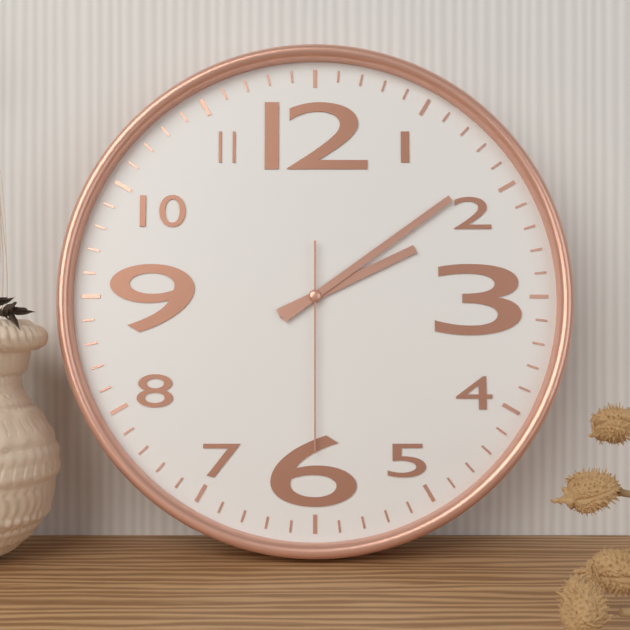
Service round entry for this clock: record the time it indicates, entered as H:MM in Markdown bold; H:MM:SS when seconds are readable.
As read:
**2:09:30**
